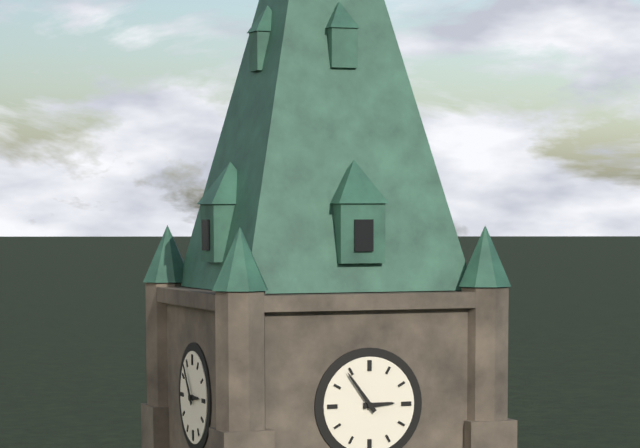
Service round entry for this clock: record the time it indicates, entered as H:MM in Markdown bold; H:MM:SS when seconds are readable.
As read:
**2:54**
